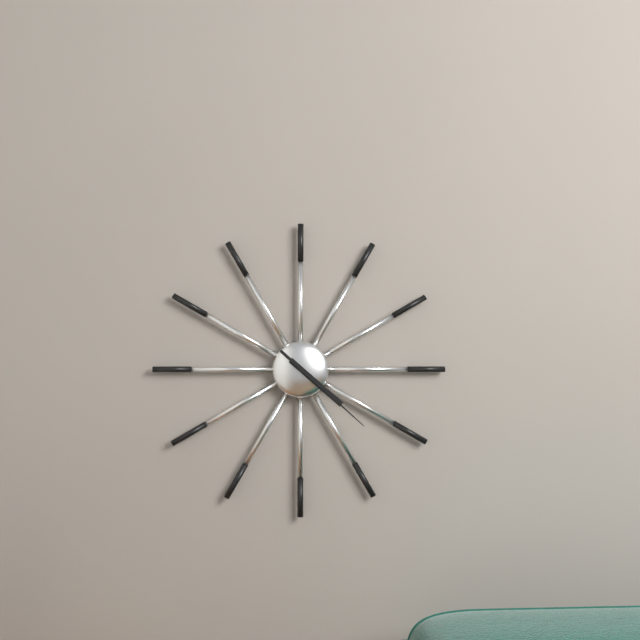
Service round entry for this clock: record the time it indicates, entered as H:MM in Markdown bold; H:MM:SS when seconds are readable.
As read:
**4:22**
